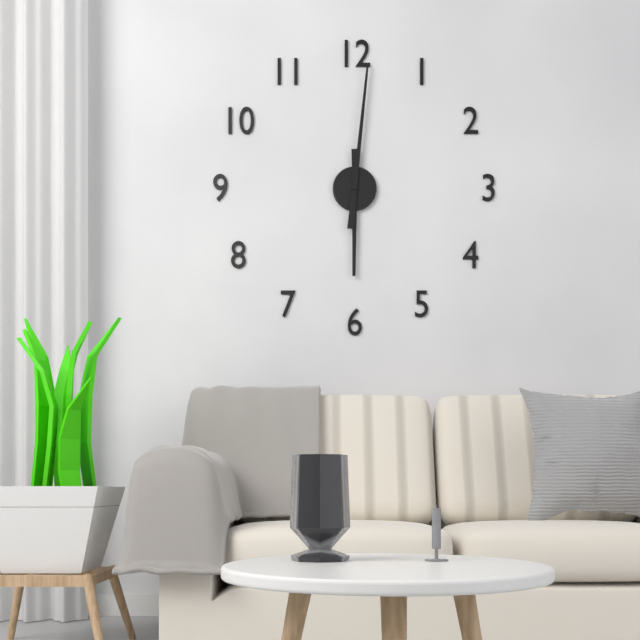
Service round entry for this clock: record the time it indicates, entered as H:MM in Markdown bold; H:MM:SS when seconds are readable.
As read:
**6:01**
